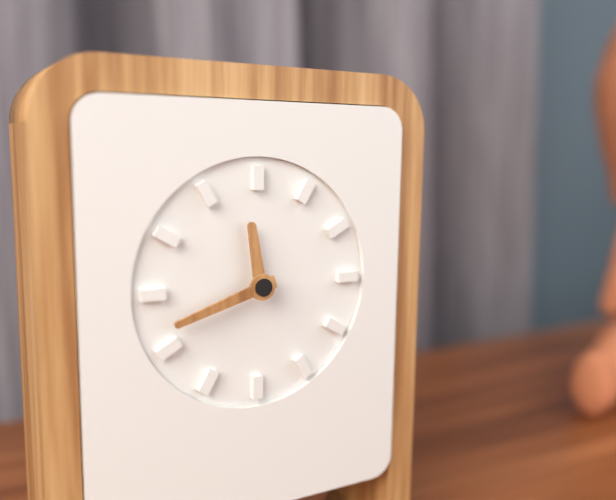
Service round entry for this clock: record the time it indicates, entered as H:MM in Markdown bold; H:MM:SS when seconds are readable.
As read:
**11:42**
